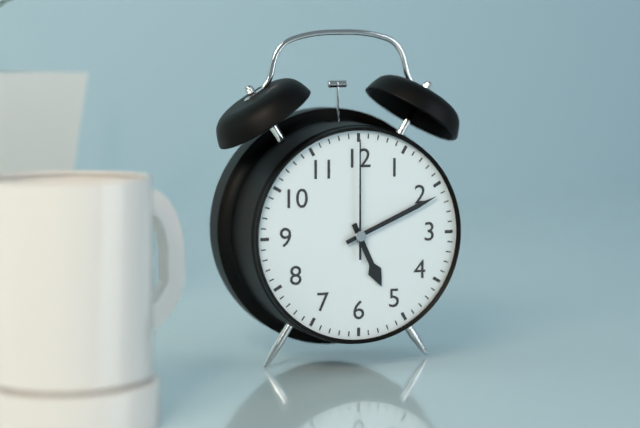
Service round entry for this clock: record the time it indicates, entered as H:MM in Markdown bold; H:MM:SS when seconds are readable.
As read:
**5:11:00**
